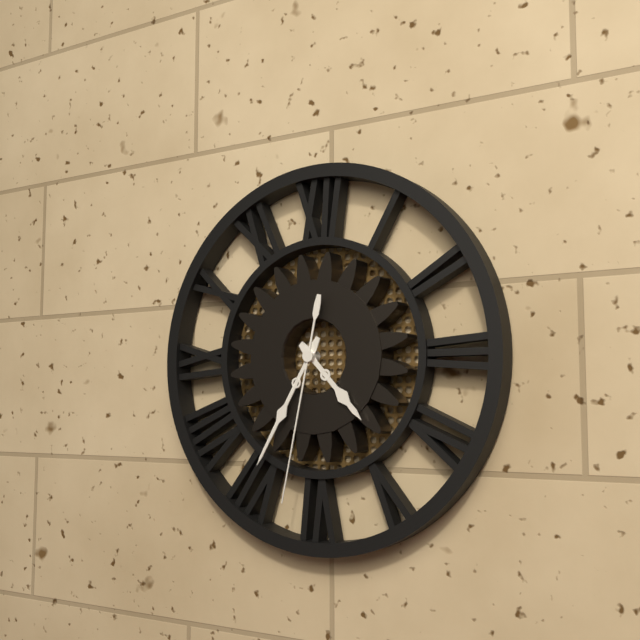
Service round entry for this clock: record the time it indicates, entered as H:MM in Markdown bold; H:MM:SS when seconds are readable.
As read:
**4:35:32**
